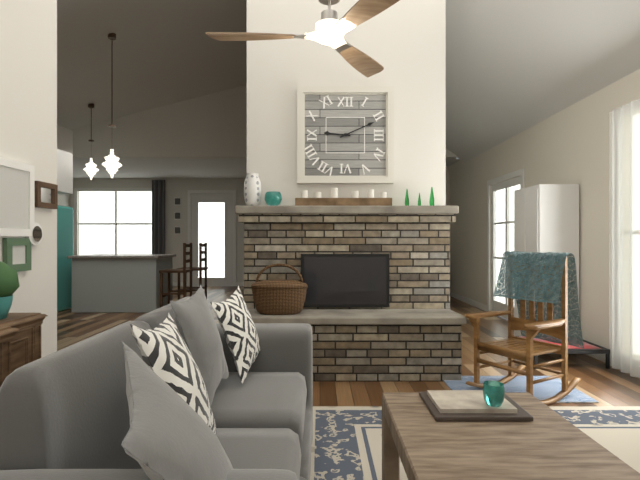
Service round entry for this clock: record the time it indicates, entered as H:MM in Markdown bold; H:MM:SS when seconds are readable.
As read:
**9:11**
